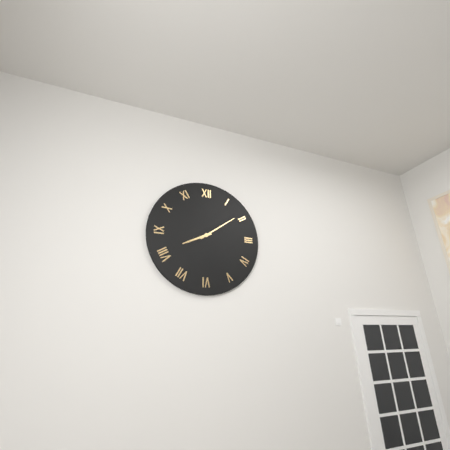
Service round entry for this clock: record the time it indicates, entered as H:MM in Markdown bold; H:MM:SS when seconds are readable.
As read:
**8:09**
